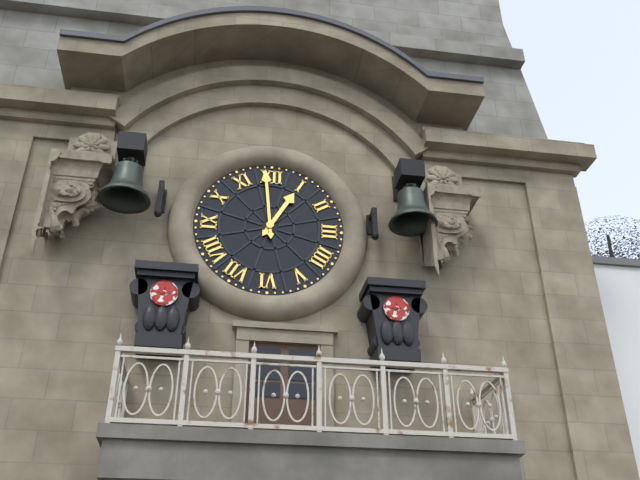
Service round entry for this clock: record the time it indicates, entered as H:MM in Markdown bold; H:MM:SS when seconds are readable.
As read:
**12:59**
